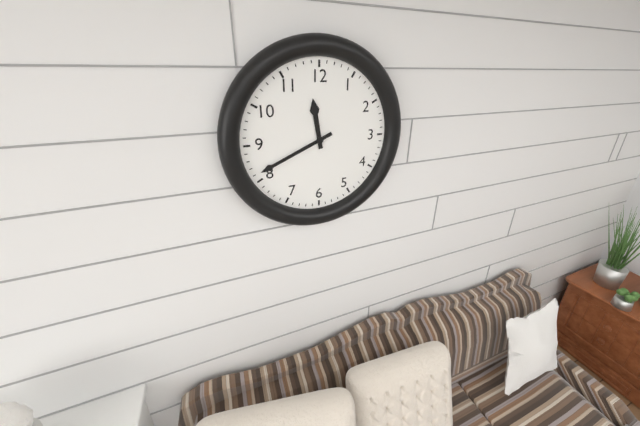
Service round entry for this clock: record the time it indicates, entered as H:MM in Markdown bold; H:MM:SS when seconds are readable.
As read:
**11:41**
